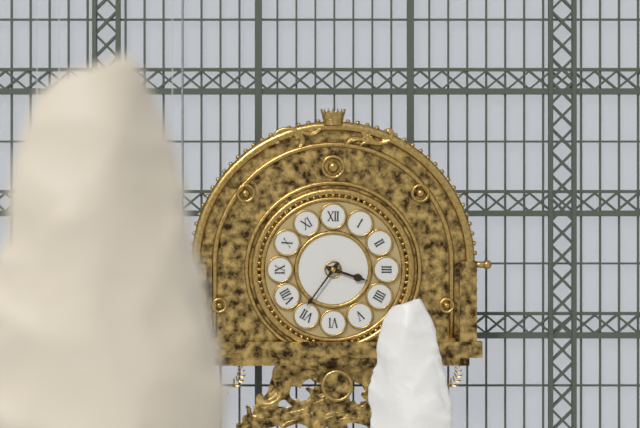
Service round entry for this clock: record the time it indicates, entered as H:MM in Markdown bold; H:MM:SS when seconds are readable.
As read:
**3:36**
